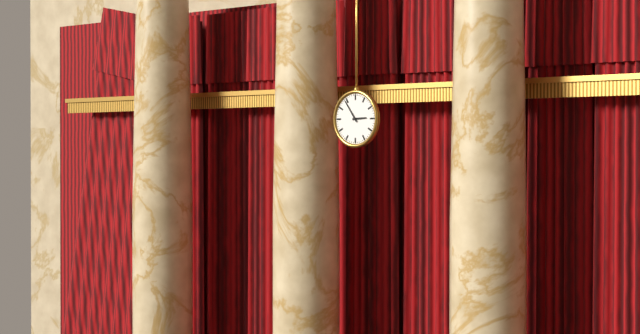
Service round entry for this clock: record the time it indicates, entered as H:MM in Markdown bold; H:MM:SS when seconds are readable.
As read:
**2:54**
